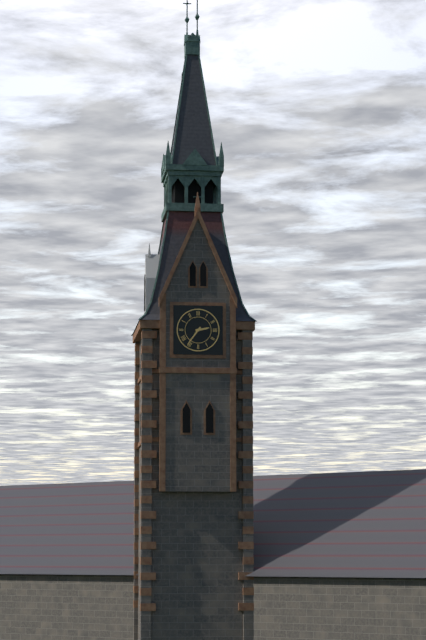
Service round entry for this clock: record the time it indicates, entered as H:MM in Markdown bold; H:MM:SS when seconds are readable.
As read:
**2:36**
